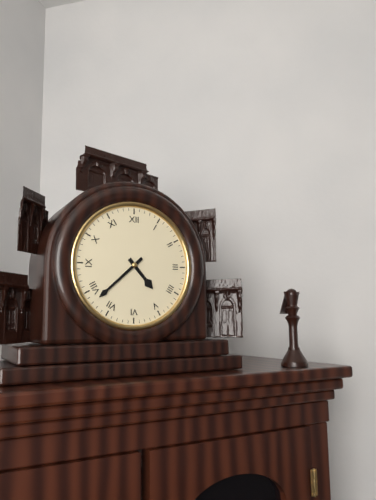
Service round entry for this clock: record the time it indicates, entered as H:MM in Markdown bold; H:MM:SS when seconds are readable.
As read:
**4:38**
